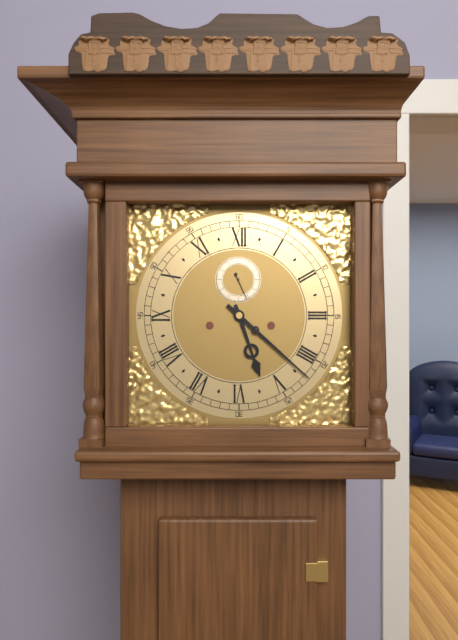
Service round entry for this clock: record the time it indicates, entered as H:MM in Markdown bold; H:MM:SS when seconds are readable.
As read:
**5:22**
